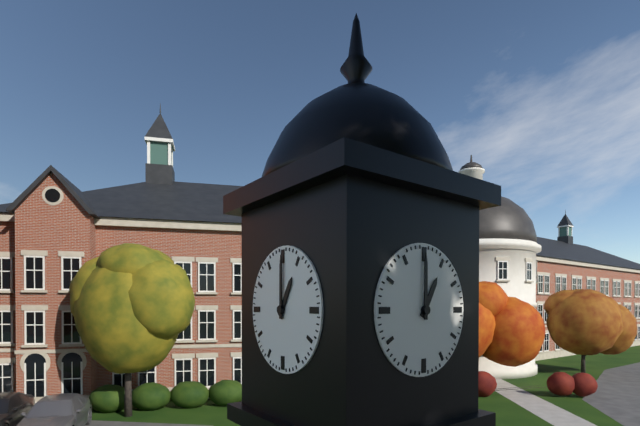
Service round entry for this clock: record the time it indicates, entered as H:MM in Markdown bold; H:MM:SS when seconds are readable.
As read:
**1:00**
